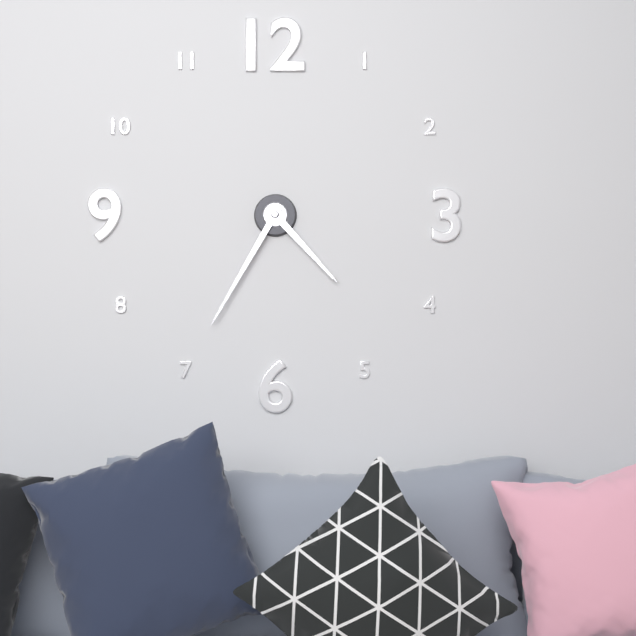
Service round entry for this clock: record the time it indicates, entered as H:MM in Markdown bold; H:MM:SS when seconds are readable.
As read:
**4:35**
